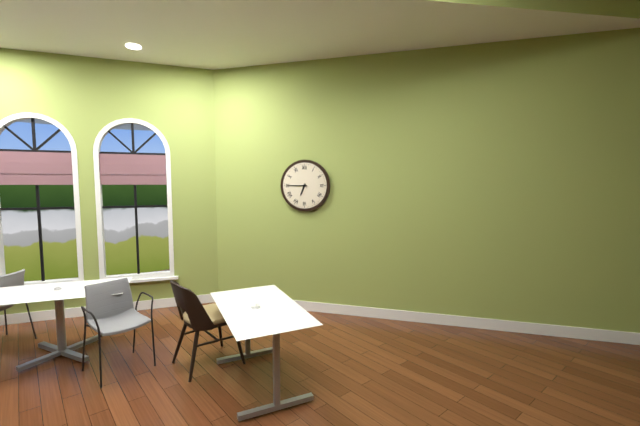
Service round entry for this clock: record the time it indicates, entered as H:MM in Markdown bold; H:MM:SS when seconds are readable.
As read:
**6:45**
